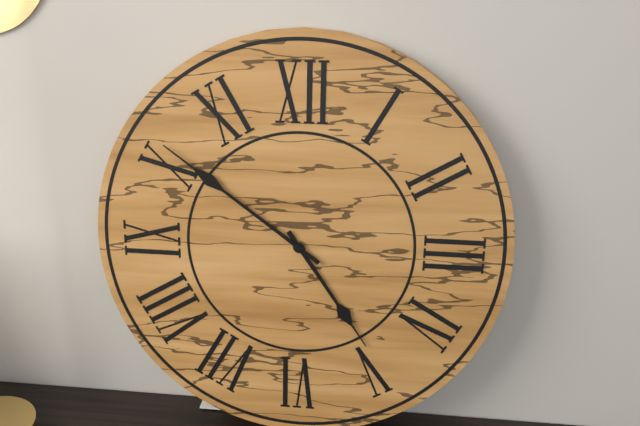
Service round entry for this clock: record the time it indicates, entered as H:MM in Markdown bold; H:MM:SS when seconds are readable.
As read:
**4:51**
